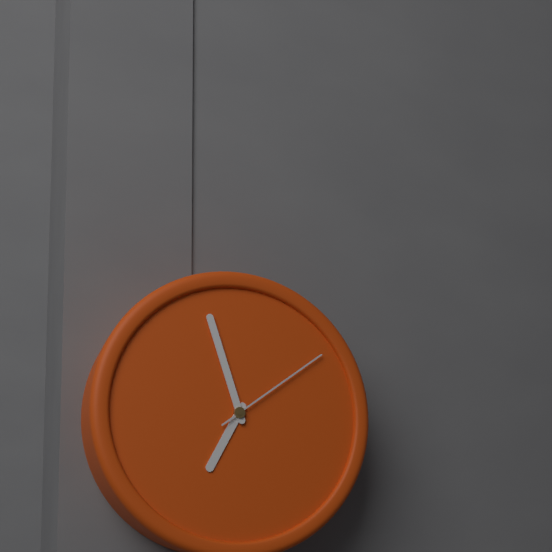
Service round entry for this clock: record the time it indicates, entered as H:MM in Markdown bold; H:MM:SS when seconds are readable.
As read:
**6:57:09**
